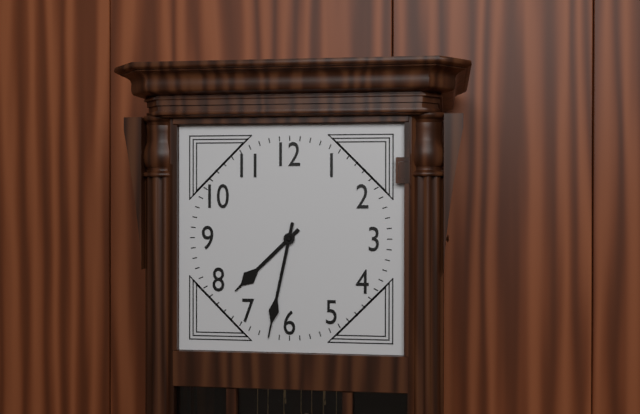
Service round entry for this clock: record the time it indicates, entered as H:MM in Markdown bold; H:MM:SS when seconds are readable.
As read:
**7:32**
